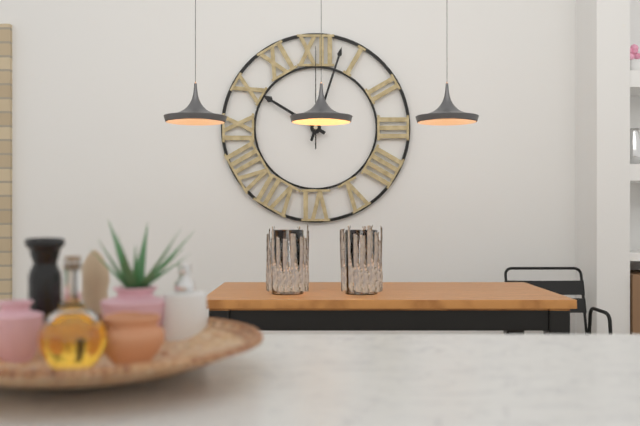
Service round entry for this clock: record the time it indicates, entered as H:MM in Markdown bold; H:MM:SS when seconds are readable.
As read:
**10:03:00**
